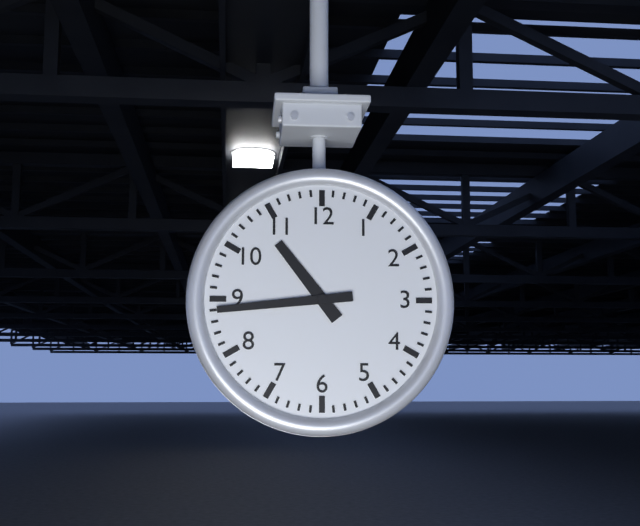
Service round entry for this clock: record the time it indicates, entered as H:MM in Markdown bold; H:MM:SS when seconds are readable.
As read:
**10:44**
